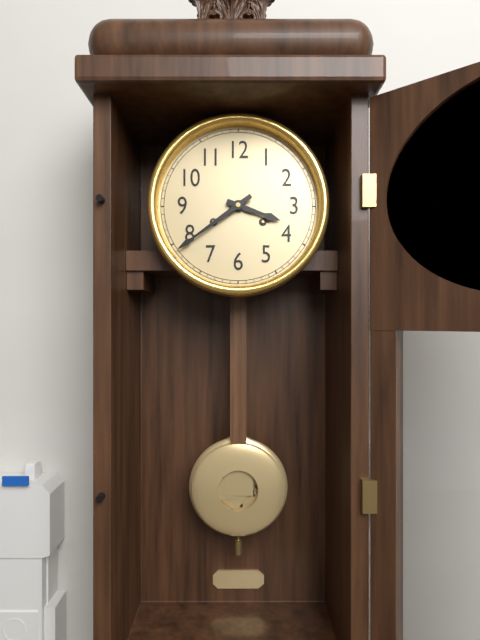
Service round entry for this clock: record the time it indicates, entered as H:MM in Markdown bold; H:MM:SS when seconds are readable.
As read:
**3:39**
